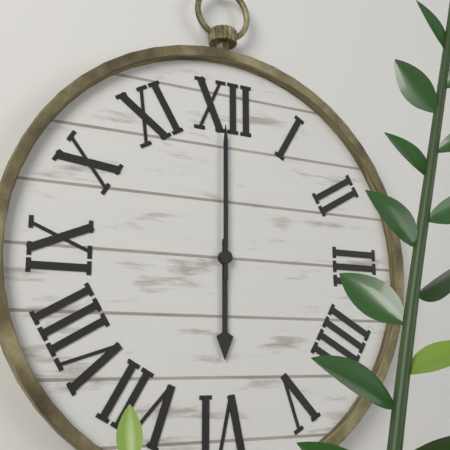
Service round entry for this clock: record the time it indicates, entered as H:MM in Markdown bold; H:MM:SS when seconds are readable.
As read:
**6:00**
